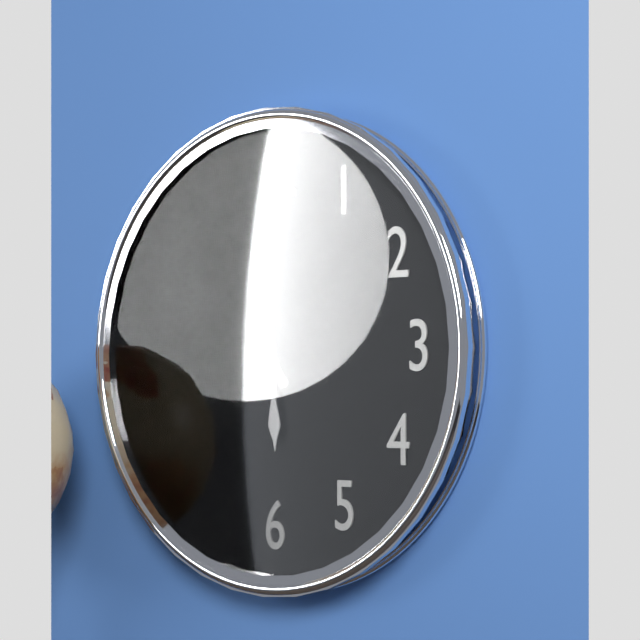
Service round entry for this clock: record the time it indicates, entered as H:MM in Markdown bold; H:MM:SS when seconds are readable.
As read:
**5:55**
